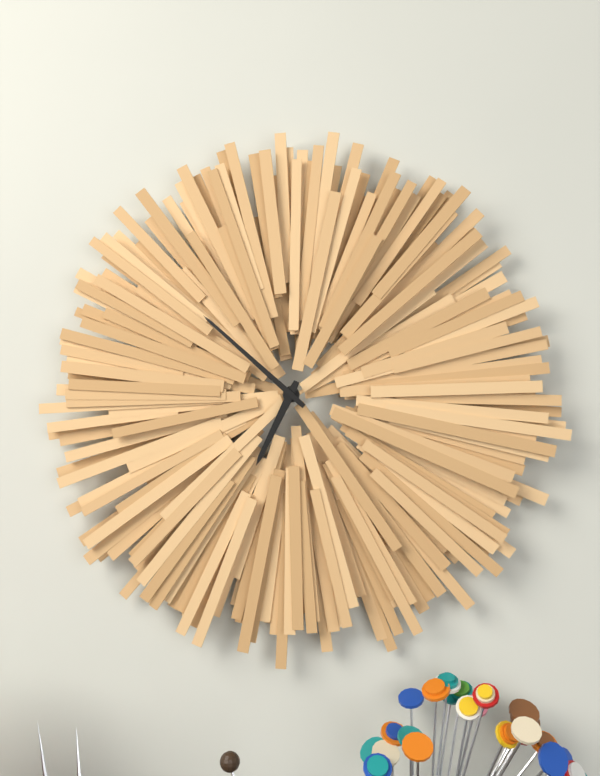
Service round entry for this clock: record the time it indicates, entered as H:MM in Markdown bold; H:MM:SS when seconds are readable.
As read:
**6:52**
